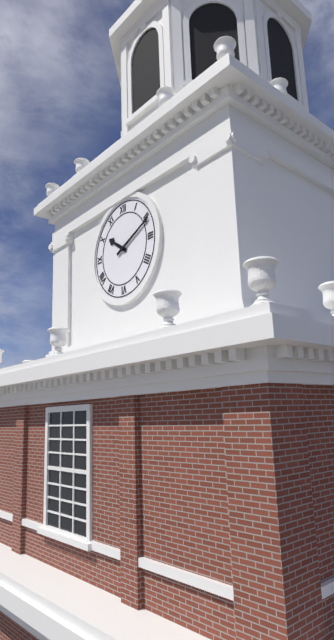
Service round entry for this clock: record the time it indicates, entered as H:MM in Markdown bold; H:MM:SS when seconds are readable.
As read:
**10:11**
